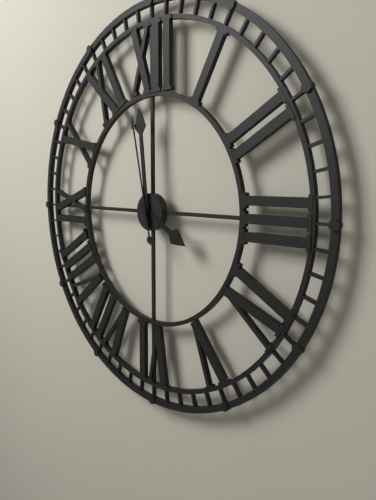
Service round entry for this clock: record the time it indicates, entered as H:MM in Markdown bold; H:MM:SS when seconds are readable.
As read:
**3:59:58**
